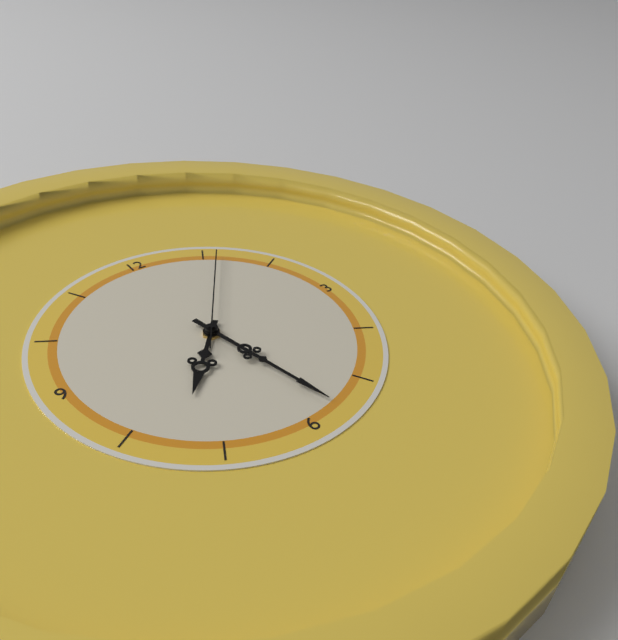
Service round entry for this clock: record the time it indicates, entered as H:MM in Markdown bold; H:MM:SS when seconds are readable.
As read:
**7:28:06**
